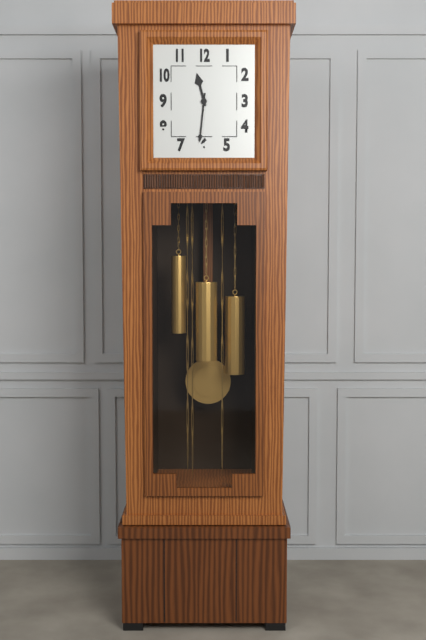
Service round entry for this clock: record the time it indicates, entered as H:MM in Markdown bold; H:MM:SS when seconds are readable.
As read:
**11:31**
